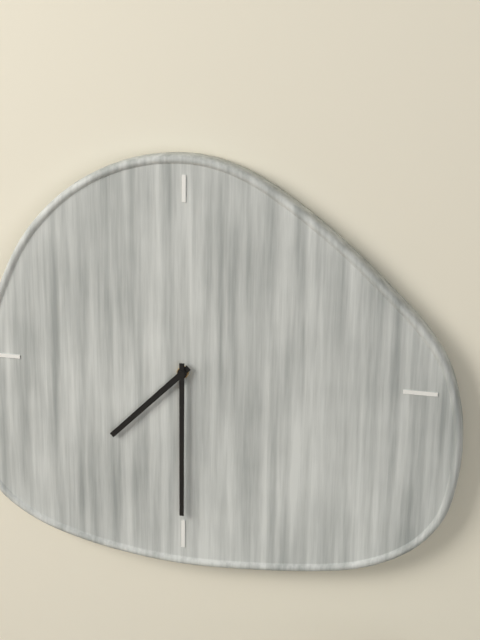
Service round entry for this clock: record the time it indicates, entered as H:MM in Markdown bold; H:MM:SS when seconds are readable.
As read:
**7:30**
